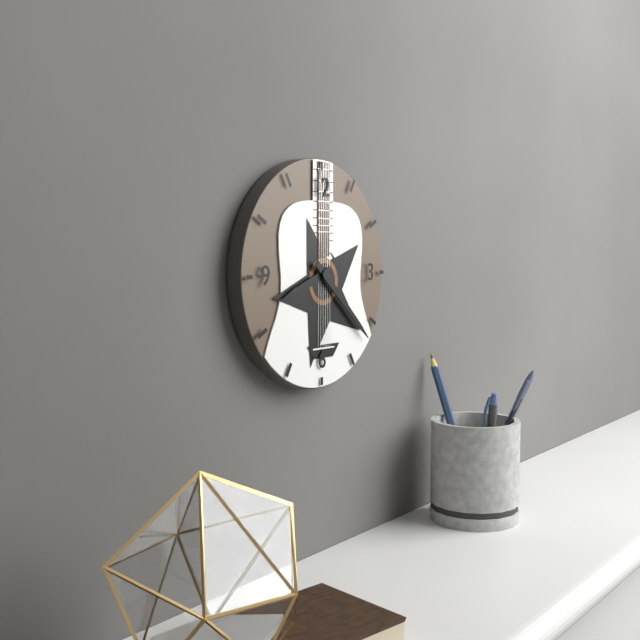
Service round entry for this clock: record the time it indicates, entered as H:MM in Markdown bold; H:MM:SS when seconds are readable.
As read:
**8:22**
